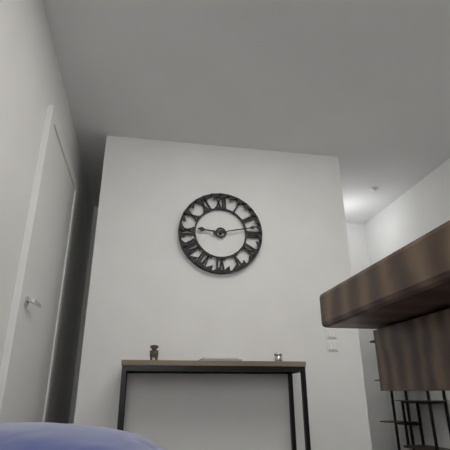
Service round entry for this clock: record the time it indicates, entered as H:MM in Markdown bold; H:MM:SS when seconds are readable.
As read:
**9:13**
